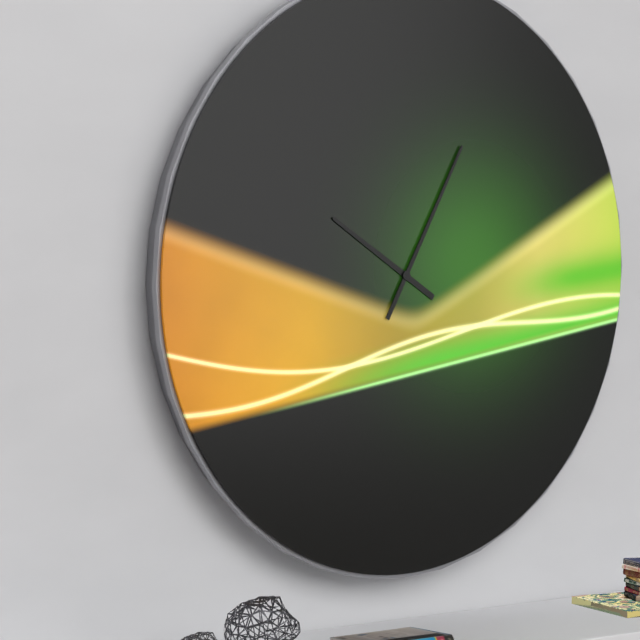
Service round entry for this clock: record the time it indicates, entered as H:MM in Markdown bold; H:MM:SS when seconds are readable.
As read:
**10:05**
